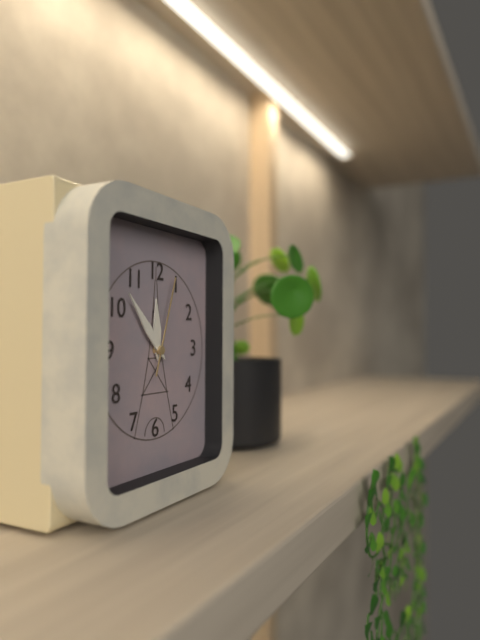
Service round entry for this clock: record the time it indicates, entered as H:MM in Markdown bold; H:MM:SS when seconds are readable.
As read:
**11:53:03**
